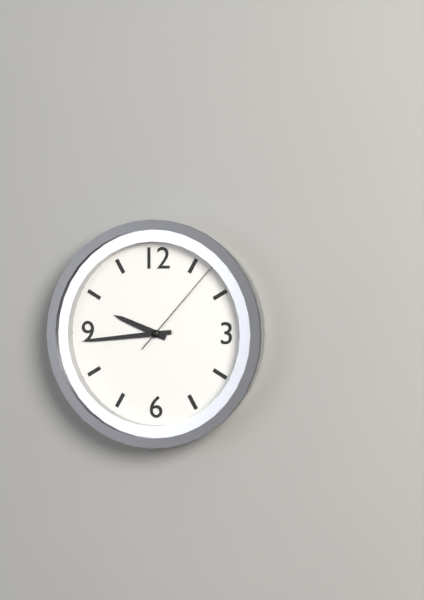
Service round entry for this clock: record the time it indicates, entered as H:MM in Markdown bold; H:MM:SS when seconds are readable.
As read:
**9:44:07**
